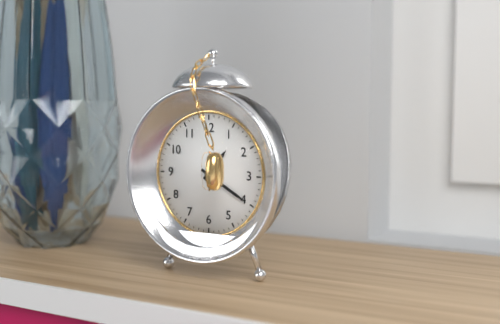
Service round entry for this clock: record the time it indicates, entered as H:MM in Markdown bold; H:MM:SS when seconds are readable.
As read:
**1:20**
